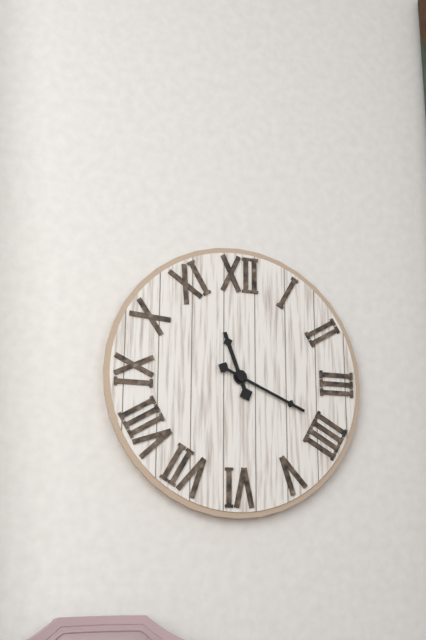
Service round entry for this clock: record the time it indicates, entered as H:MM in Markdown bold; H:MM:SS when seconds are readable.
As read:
**11:19**
